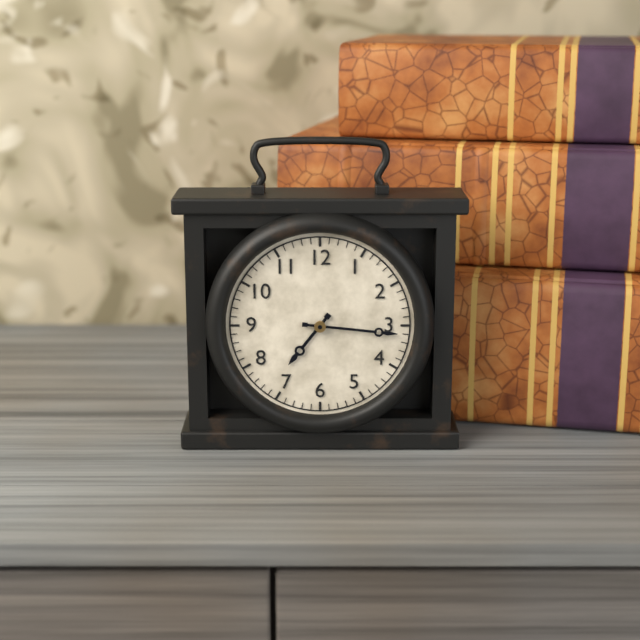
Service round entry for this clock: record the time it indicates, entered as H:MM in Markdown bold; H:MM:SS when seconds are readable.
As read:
**7:16**
